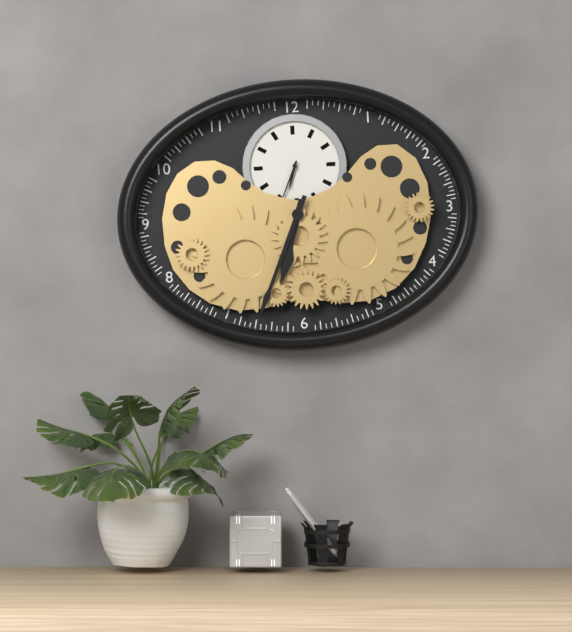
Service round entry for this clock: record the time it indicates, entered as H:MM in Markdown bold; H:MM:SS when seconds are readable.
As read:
**6:34**
